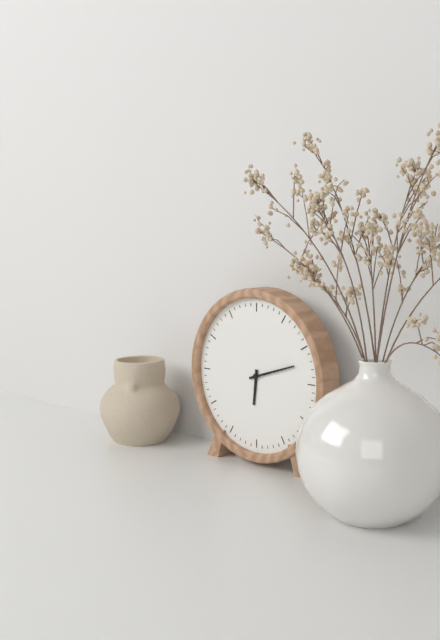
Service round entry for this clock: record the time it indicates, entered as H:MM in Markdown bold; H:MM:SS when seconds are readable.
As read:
**6:12**
